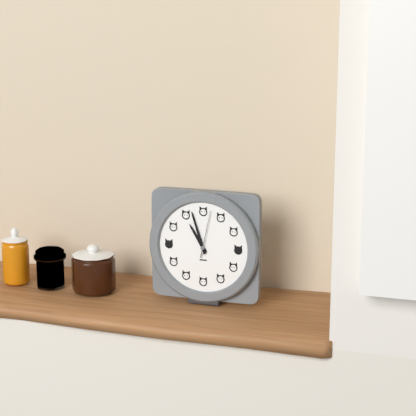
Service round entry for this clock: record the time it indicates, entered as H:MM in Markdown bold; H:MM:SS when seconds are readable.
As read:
**10:57**
